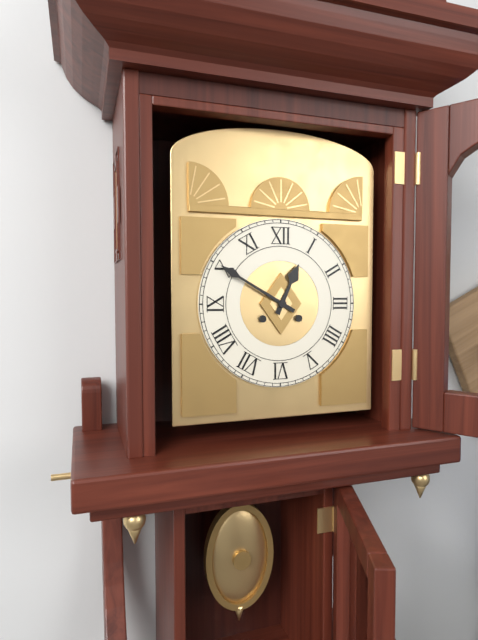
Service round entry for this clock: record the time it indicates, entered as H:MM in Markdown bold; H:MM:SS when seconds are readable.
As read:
**12:50**
